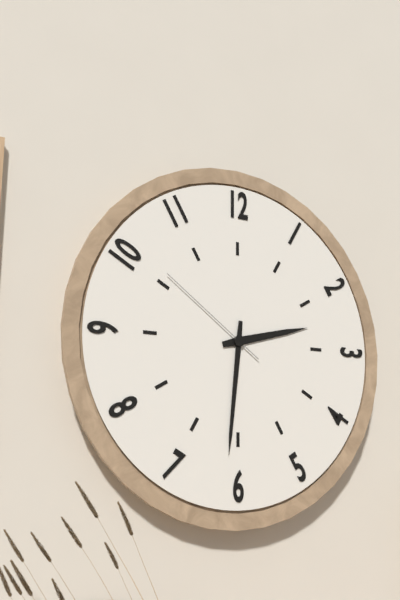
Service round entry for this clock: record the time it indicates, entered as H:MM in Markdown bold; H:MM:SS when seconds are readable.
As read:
**2:31:51**
